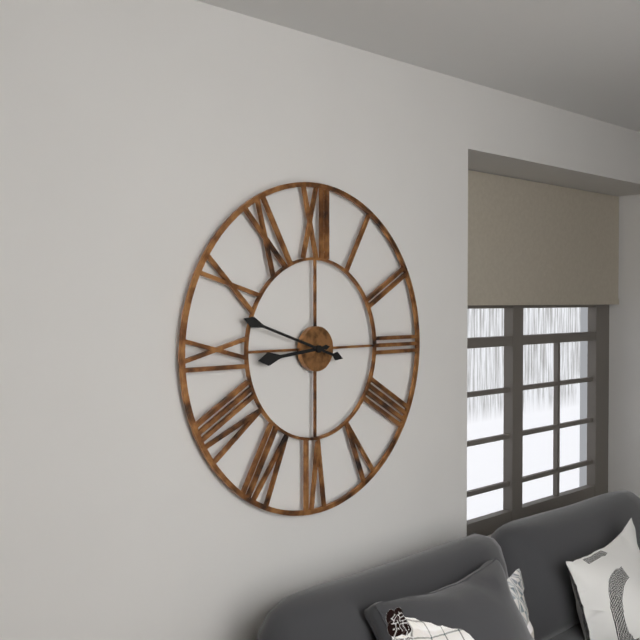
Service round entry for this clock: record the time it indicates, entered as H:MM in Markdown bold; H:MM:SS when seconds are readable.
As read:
**8:48**
